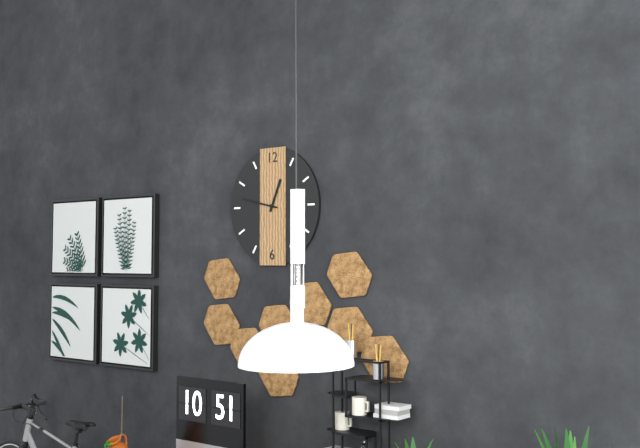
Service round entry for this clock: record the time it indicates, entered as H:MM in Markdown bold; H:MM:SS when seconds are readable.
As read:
**12:47**
